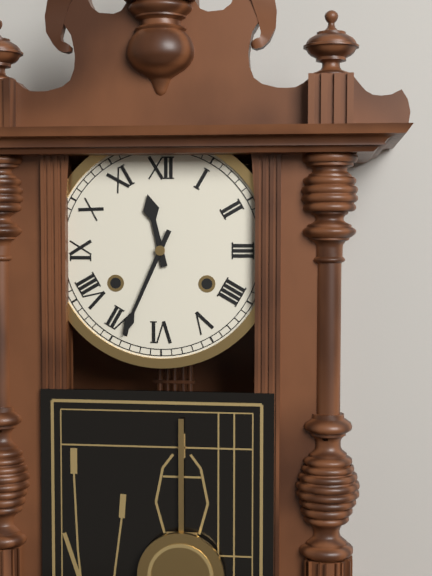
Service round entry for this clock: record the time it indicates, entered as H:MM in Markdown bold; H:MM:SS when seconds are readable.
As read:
**11:34**
